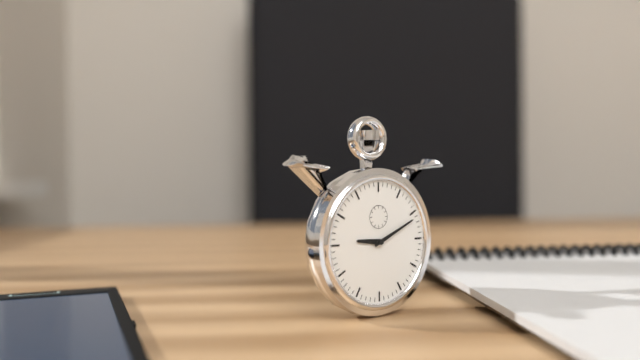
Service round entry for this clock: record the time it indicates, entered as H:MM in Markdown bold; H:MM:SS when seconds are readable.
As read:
**9:11**
